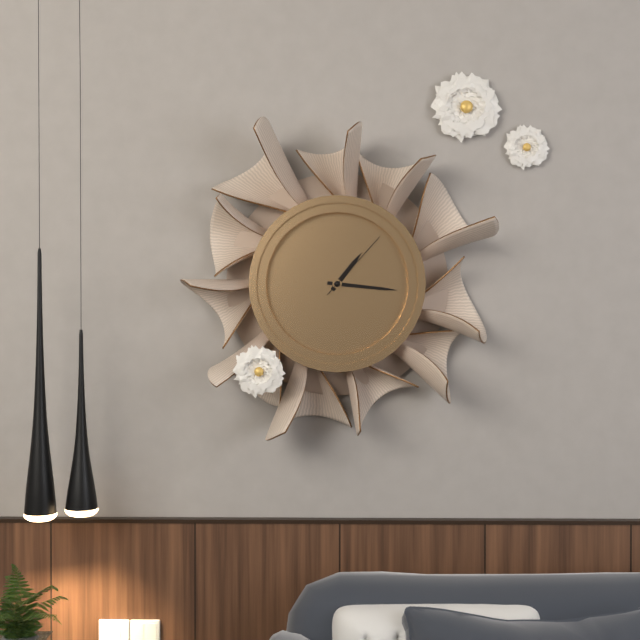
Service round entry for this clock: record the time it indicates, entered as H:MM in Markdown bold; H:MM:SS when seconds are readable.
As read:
**1:16:07**
